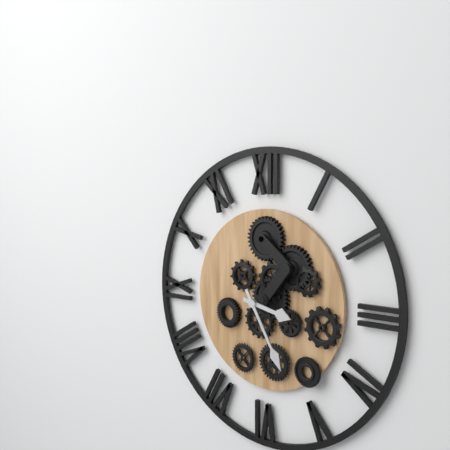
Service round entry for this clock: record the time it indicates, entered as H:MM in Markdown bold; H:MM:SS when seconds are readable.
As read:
**3:25**
